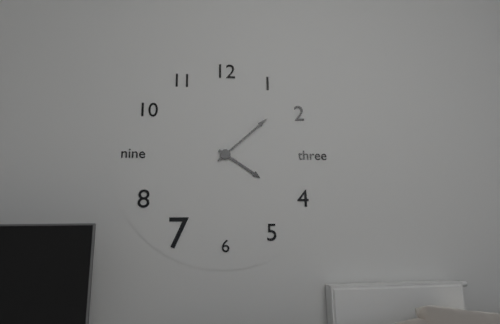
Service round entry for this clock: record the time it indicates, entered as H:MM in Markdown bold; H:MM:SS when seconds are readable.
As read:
**4:08**
